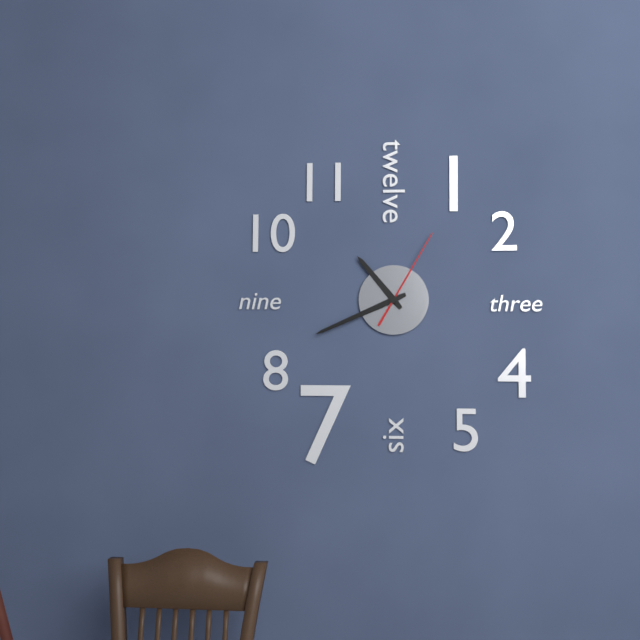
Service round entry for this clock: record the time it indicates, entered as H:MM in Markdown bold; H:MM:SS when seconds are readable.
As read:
**10:41:05**
